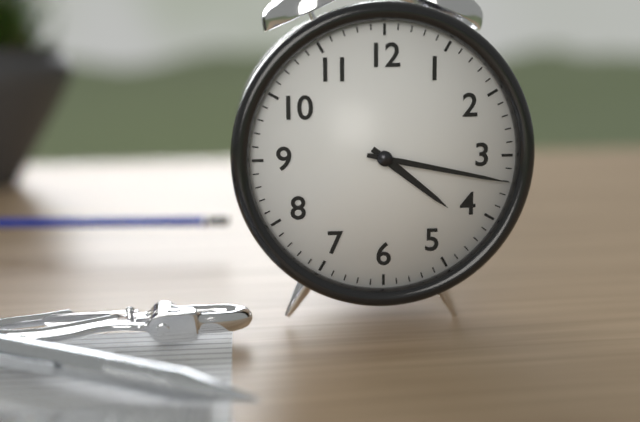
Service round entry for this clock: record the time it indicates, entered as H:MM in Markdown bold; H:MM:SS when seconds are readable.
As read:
**4:17**
